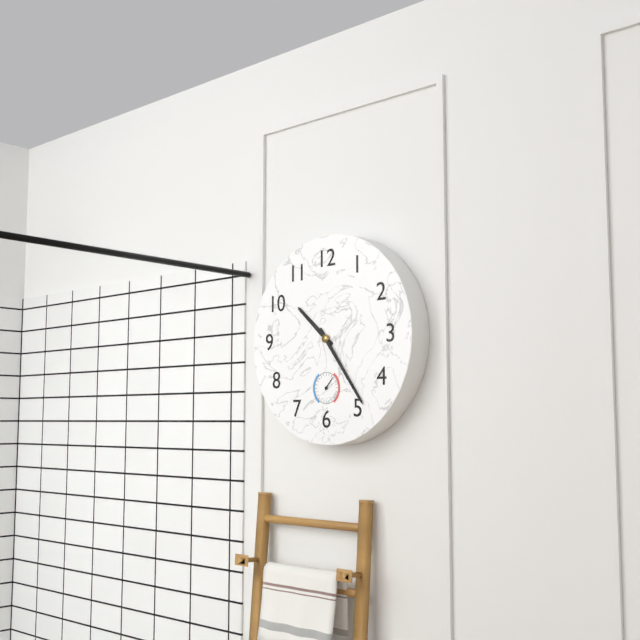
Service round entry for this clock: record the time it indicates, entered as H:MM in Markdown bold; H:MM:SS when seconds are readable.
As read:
**10:24**
